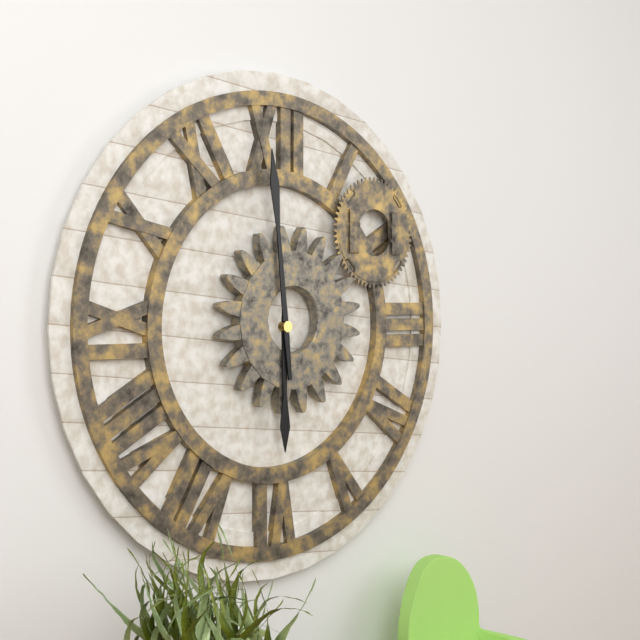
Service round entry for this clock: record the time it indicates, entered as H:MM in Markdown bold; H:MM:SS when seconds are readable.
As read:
**5:59**
